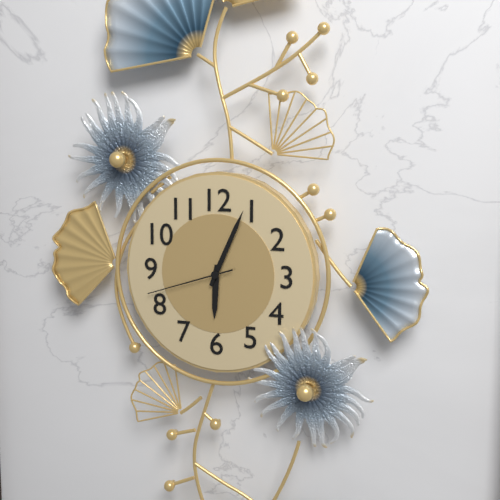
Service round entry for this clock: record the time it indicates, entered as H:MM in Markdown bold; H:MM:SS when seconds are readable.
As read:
**6:04:42**
